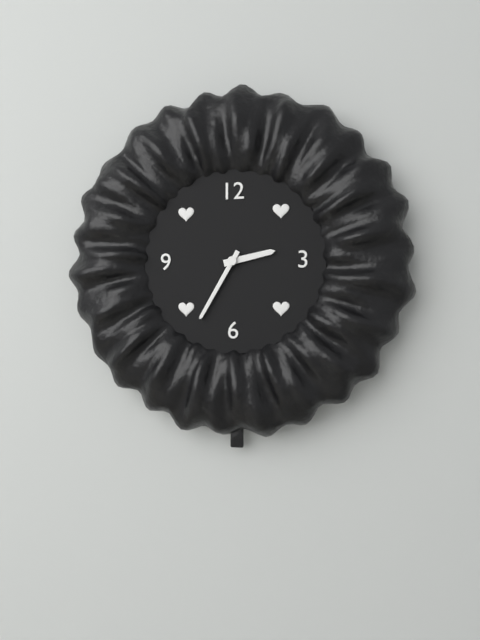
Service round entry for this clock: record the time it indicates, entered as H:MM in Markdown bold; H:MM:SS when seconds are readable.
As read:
**2:35**
